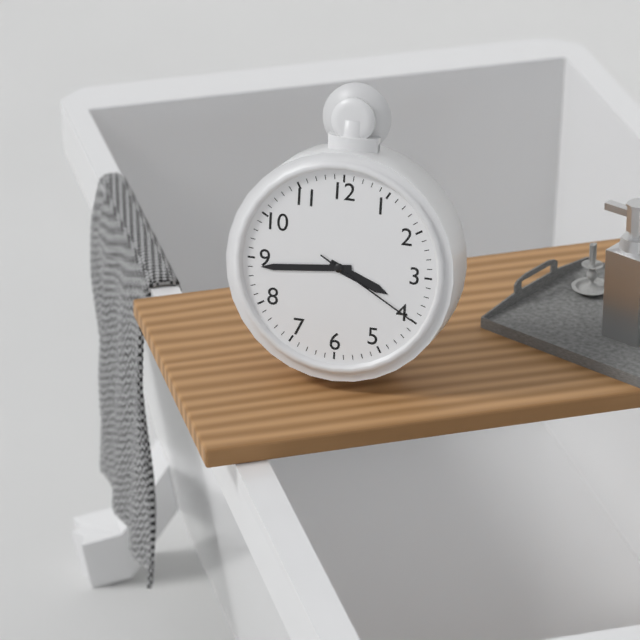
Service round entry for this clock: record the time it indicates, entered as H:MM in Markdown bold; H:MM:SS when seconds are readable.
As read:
**3:44:20**
